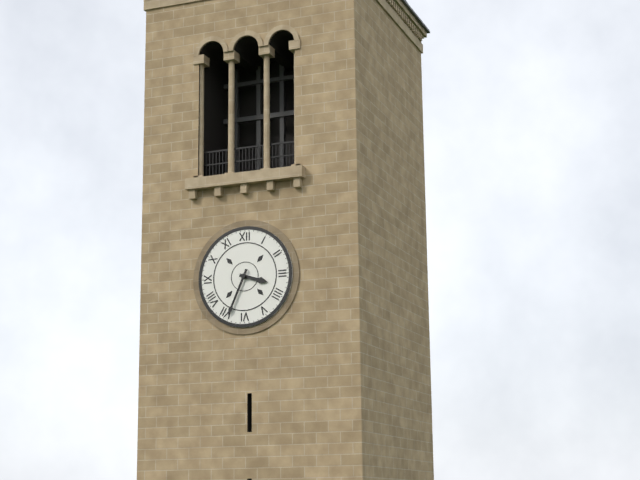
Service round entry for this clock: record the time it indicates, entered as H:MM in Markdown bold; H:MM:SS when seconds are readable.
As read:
**3:34**
